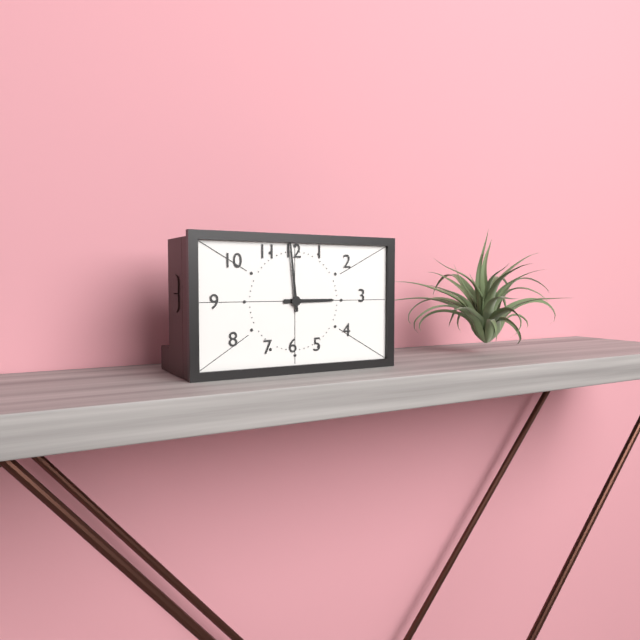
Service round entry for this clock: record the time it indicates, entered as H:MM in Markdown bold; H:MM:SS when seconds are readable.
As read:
**2:59**
